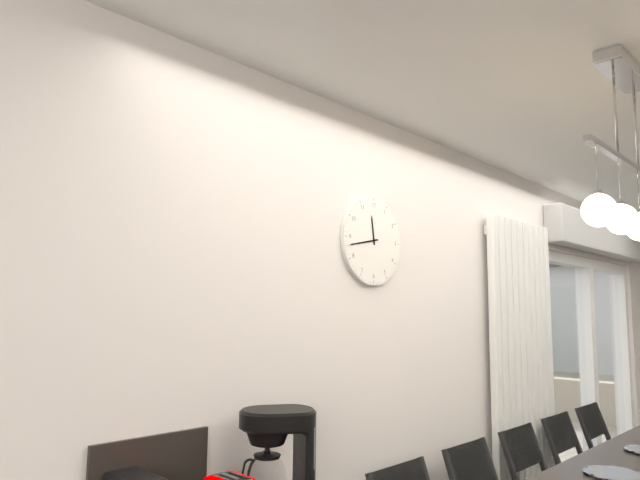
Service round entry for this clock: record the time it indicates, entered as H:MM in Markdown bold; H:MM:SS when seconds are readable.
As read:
**11:43**
